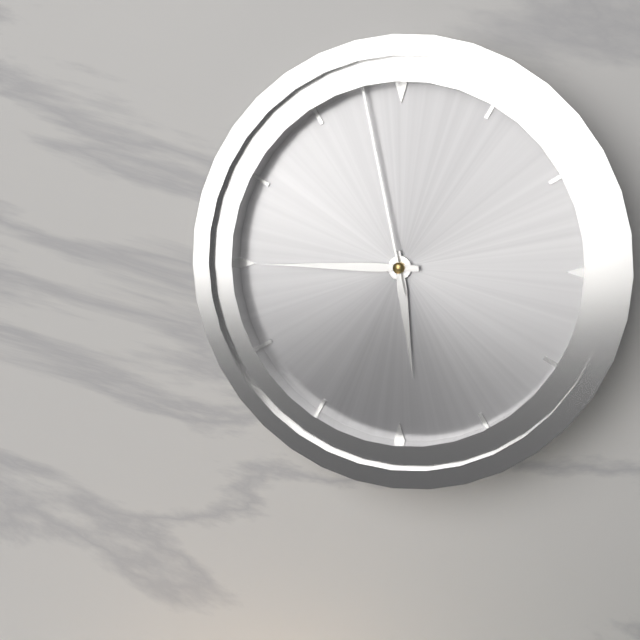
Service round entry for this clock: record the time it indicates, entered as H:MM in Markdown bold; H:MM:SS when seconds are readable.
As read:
**5:45:58**
